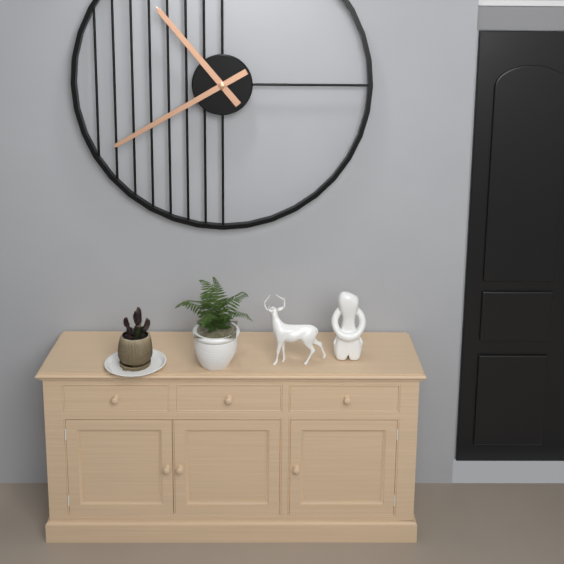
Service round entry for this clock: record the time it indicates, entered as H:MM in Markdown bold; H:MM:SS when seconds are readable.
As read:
**10:40**
